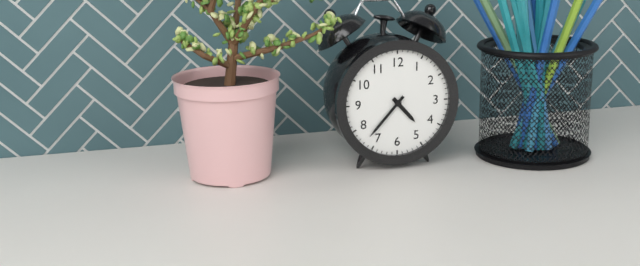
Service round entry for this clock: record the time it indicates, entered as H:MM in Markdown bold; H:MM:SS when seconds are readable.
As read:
**4:37**
